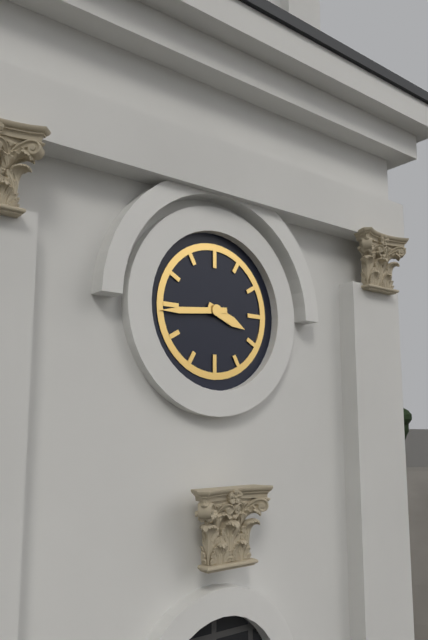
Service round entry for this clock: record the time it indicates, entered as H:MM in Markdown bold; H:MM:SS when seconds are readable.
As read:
**3:44**
